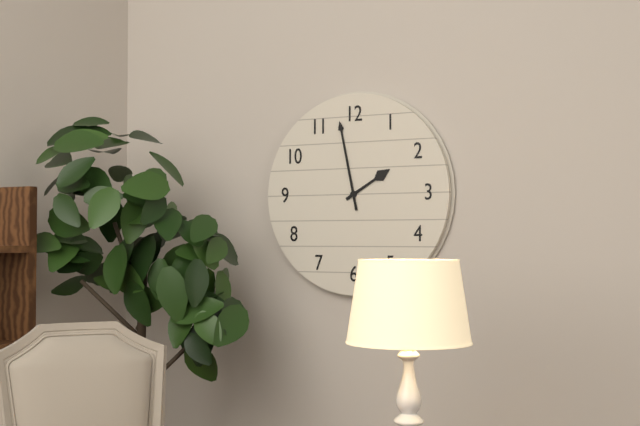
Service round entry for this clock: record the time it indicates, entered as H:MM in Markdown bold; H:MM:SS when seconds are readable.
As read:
**1:58**
